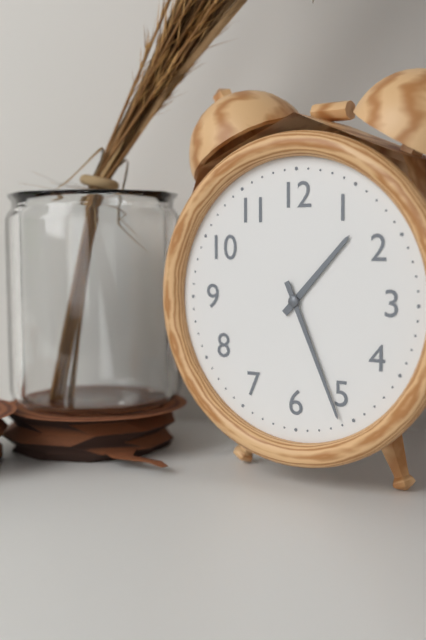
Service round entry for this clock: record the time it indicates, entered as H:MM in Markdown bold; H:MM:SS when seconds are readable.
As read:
**1:26**
